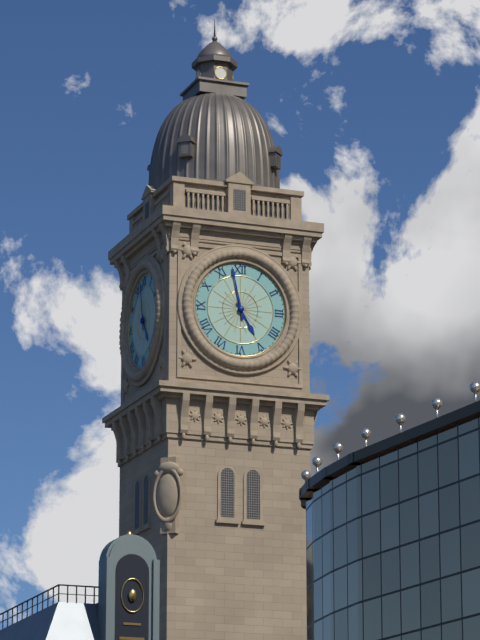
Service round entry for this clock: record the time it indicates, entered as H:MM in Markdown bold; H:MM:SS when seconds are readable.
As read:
**4:58**
